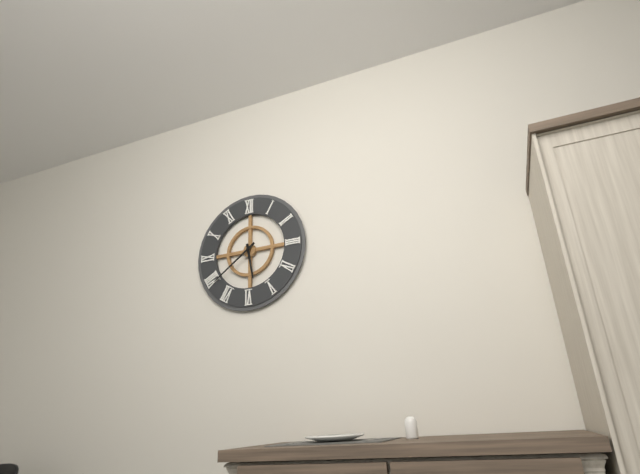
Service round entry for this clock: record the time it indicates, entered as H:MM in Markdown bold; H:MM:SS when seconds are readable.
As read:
**5:39**
